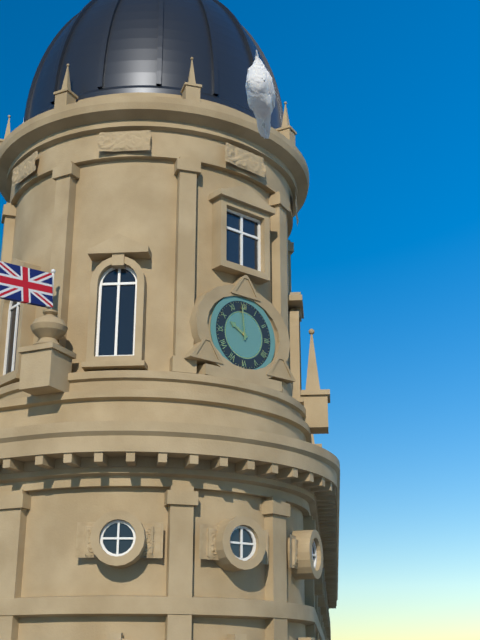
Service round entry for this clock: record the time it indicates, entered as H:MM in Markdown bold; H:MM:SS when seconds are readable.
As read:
**9:59**
